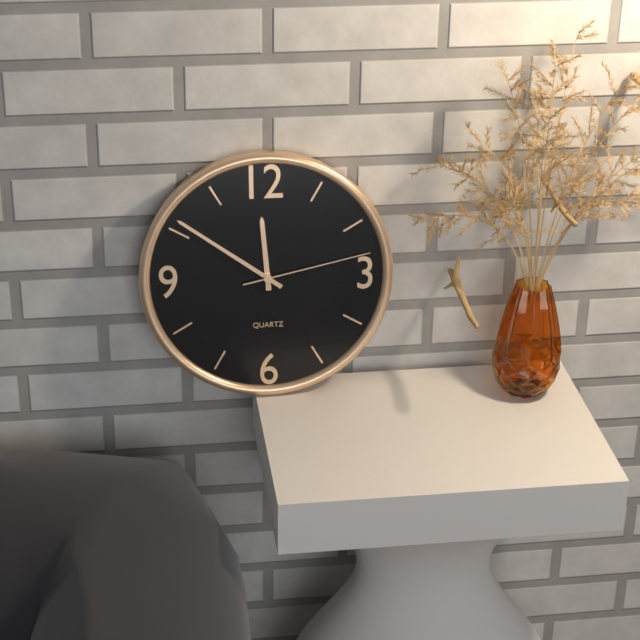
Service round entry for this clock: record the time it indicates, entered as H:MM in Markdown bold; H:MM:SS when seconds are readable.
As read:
**11:51:13**
